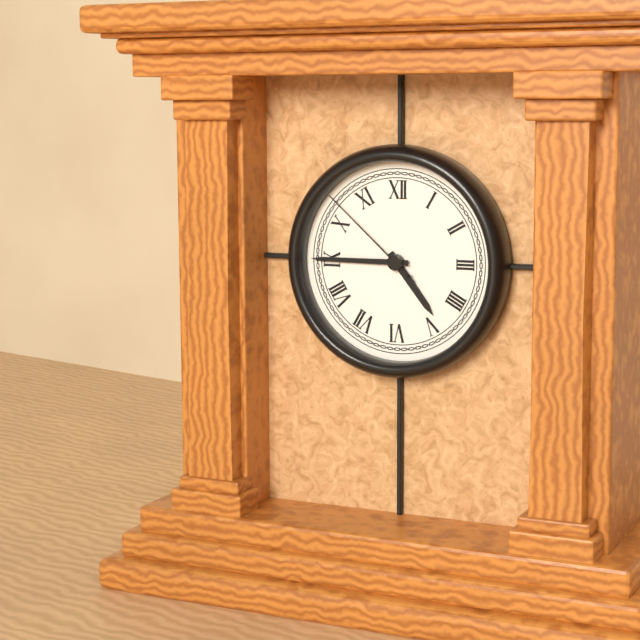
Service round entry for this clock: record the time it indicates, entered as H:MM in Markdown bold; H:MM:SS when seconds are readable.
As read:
**4:45:52**
